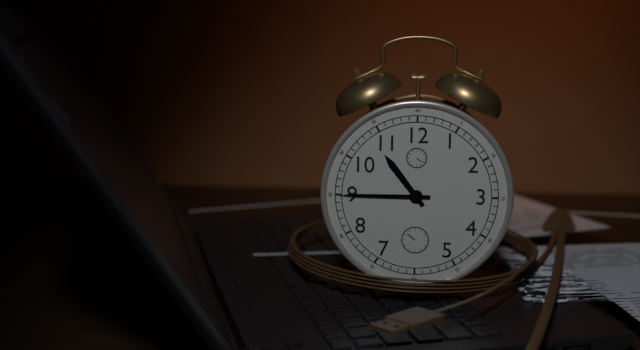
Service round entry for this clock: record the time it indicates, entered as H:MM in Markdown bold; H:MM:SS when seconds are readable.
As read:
**10:45**
